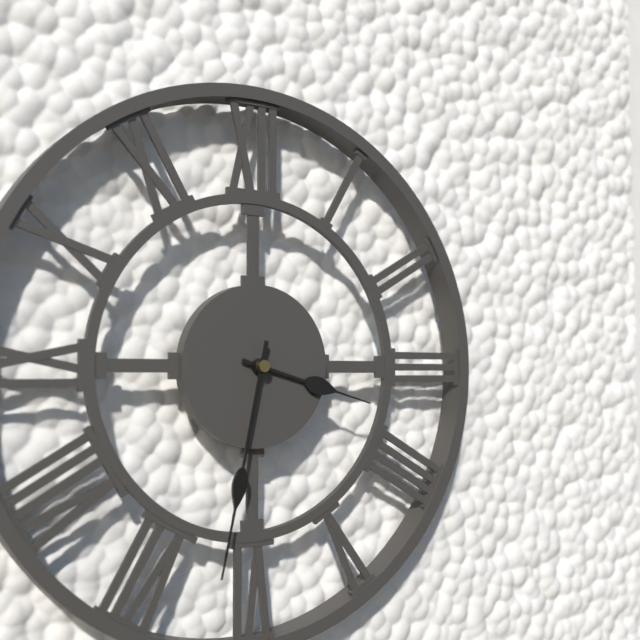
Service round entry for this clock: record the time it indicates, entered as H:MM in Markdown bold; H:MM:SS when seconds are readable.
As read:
**3:32**
